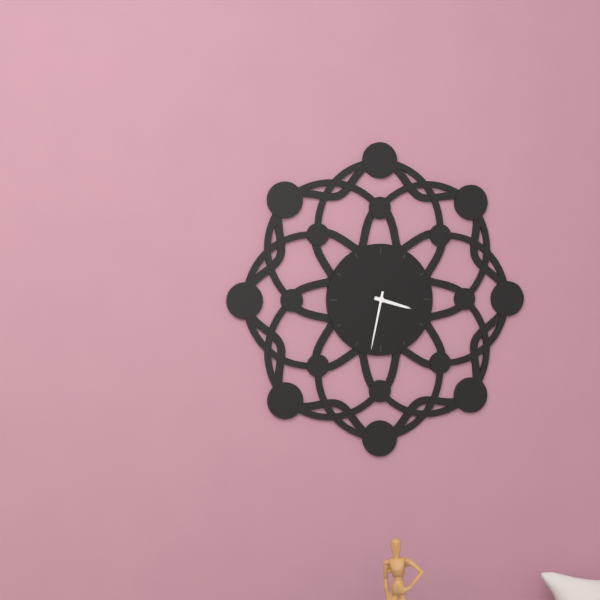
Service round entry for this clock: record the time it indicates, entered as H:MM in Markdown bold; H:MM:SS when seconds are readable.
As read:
**3:32**
